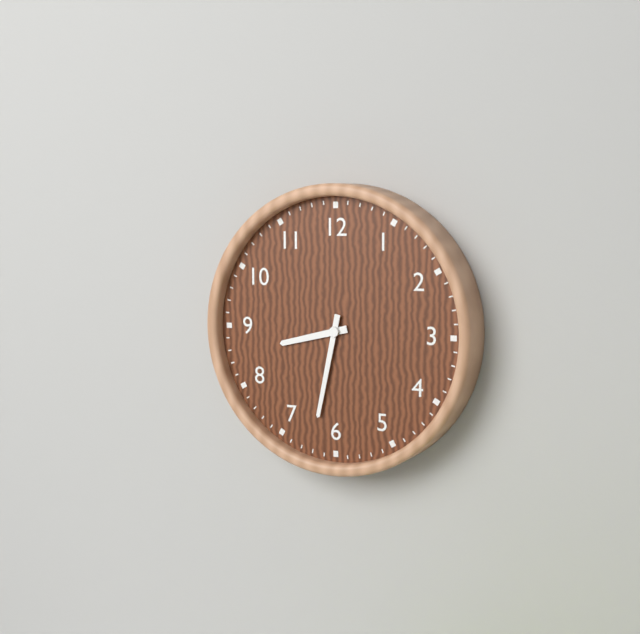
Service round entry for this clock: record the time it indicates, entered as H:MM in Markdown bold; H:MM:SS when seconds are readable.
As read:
**8:32**
